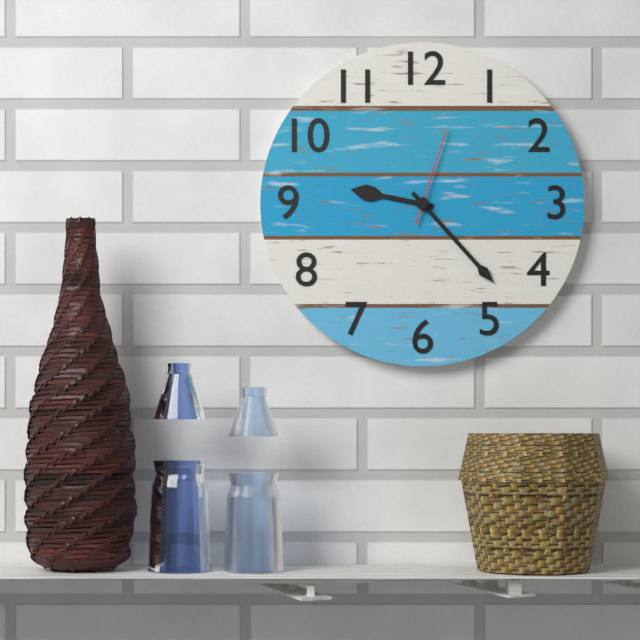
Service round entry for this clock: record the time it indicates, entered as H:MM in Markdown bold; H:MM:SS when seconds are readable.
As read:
**9:23:03**
